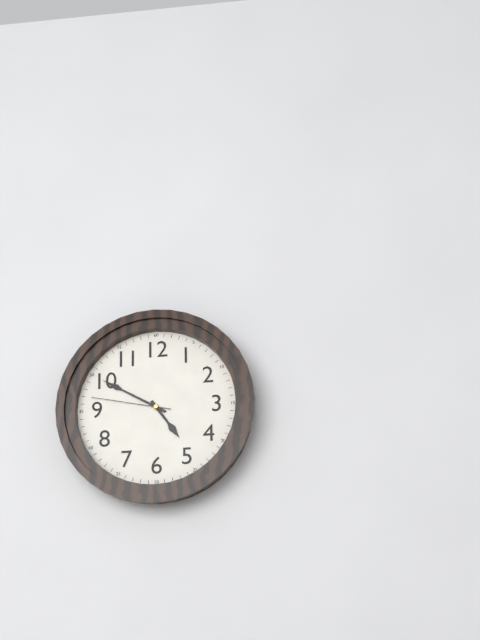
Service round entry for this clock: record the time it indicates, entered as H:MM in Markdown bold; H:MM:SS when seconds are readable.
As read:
**4:50:47**
